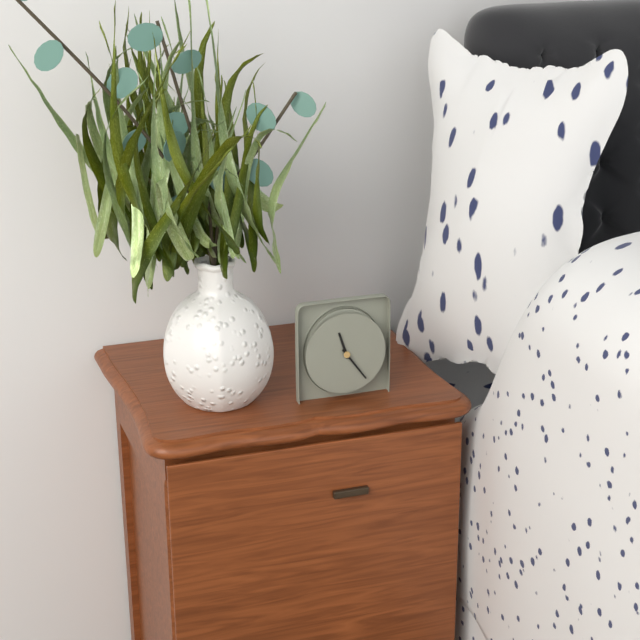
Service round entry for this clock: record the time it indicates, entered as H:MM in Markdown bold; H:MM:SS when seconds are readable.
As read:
**11:24**
